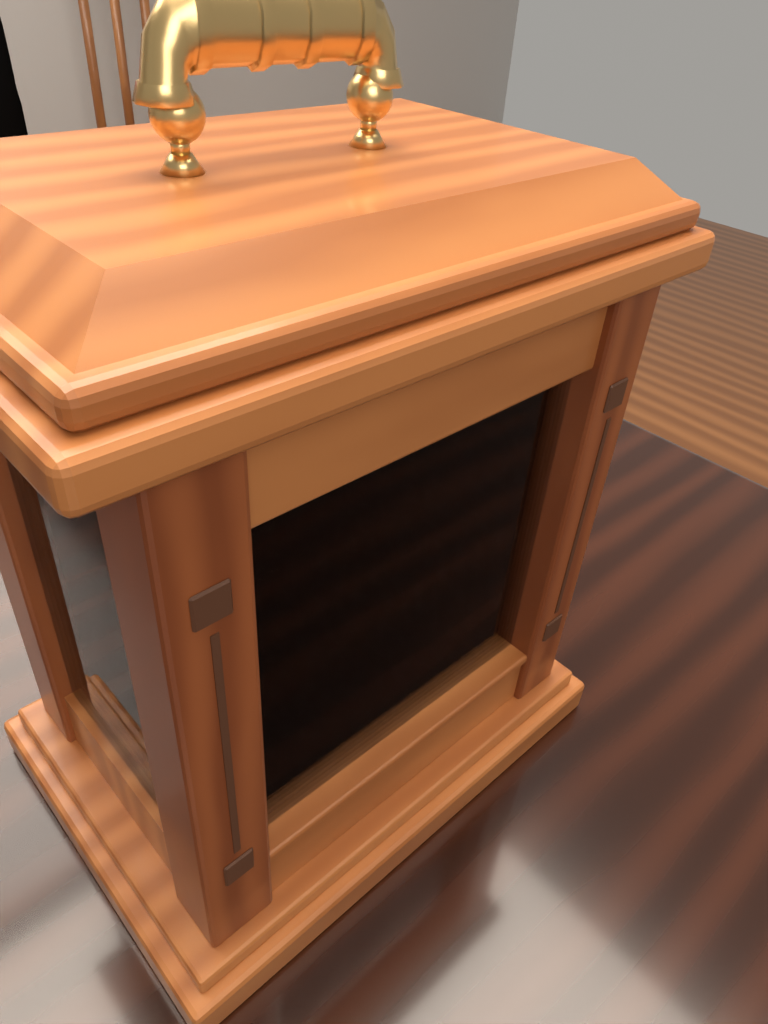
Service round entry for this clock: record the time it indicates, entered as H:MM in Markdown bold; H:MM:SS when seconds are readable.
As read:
**9:15**
